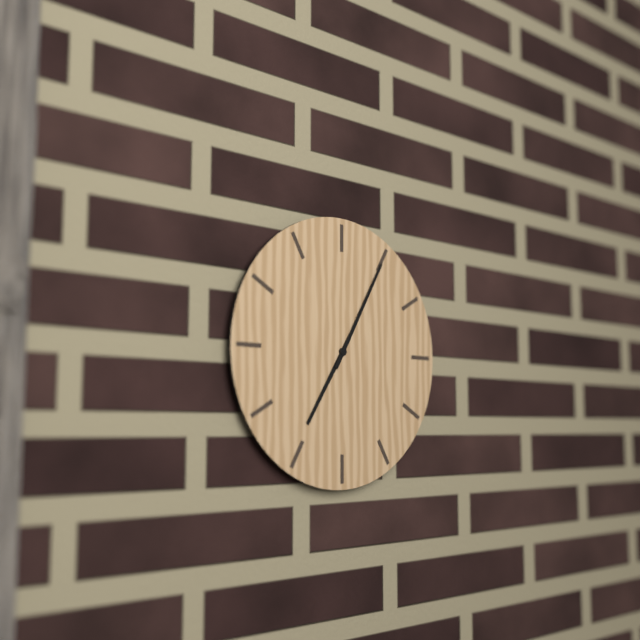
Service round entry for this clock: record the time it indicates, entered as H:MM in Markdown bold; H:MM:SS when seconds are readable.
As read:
**7:05**
